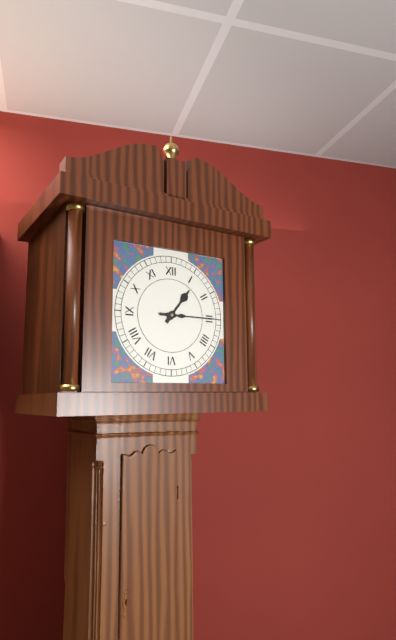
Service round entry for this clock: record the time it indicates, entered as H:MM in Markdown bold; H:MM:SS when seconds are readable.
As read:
**1:15**
